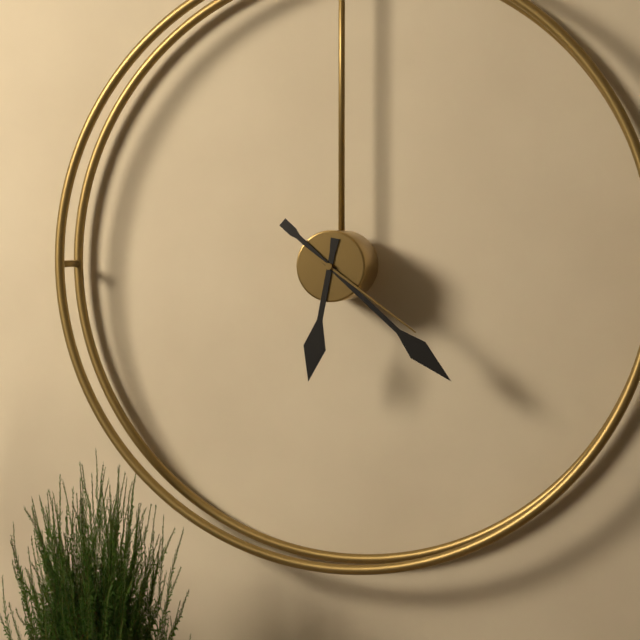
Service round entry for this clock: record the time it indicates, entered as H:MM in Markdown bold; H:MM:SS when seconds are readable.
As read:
**6:22:21**
